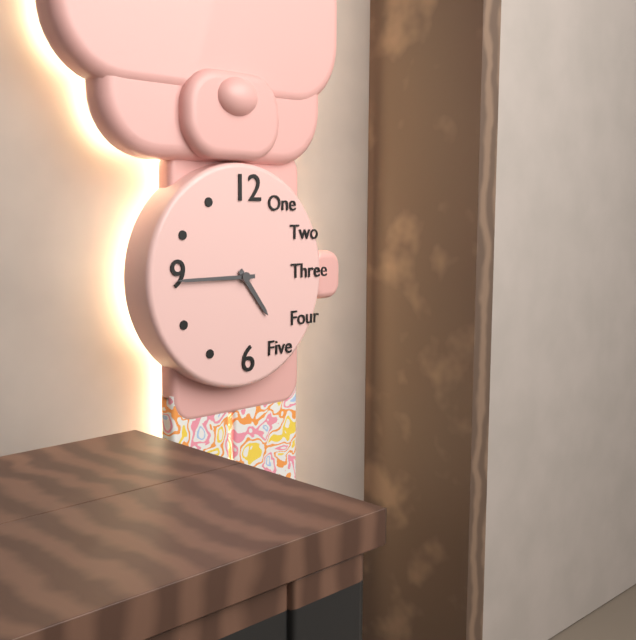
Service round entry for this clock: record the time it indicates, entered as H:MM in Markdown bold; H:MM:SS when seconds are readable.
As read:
**4:45**
